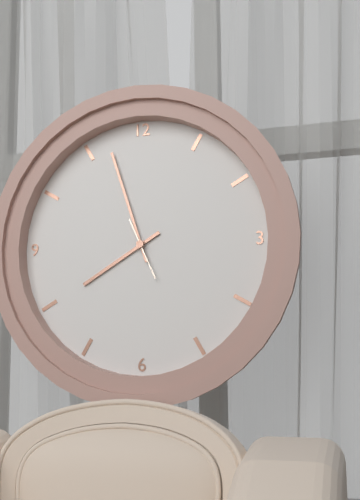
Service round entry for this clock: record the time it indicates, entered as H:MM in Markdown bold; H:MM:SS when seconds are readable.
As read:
**7:57**
